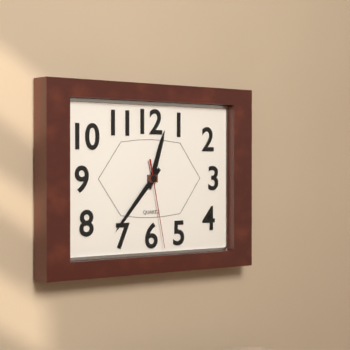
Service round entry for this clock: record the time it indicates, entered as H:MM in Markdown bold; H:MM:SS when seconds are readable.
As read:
**12:37:28**
